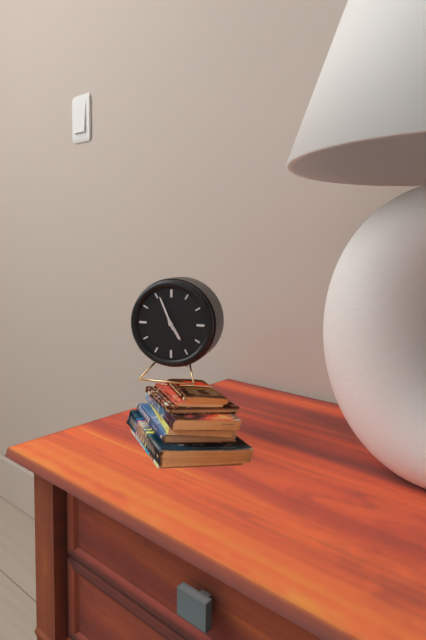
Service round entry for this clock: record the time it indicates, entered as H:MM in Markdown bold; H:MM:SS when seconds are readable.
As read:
**4:56**
